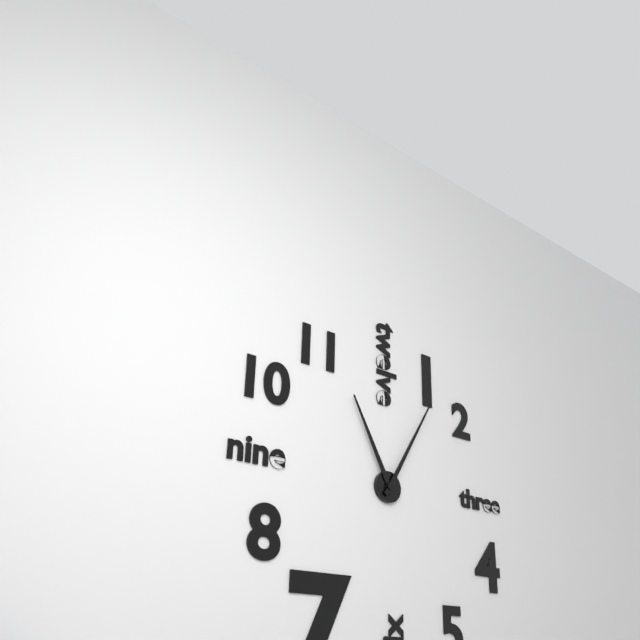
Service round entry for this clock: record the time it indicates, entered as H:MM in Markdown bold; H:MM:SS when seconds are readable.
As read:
**11:05**
